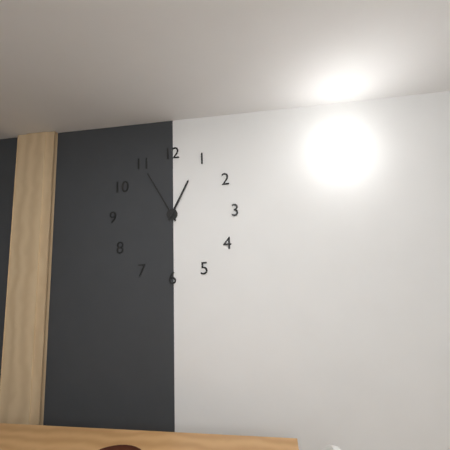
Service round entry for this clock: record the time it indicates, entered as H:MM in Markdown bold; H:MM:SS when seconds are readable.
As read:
**12:55**
